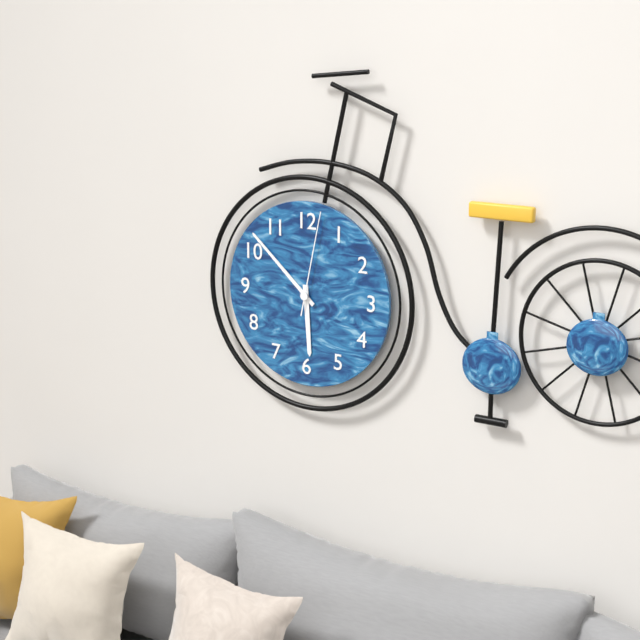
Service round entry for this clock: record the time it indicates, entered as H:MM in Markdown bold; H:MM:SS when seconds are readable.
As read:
**5:52:02**
